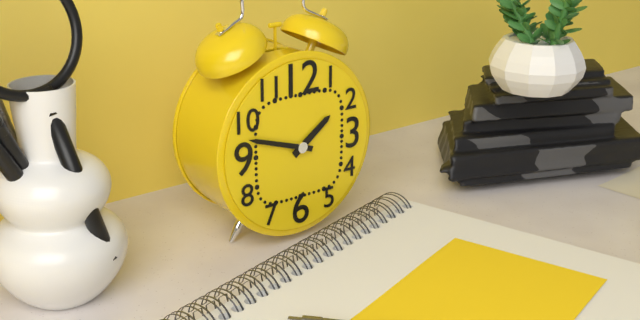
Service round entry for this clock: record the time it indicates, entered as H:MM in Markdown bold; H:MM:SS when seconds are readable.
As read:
**1:48**
